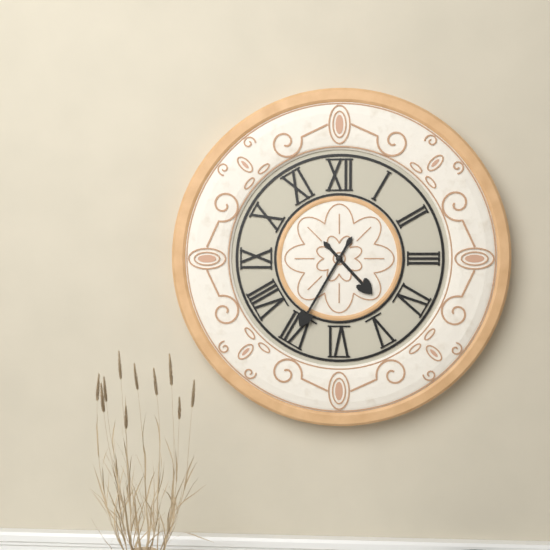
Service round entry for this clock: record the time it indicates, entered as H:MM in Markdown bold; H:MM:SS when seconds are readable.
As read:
**4:35**
